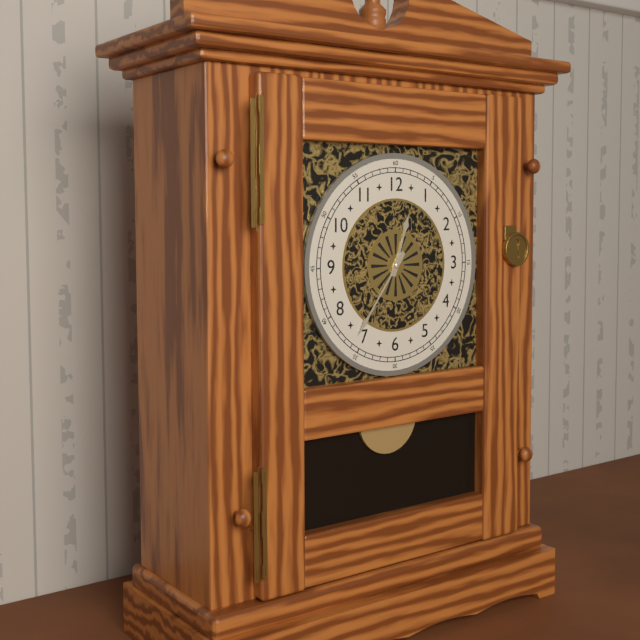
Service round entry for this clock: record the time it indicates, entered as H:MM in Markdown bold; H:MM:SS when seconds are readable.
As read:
**12:36**
